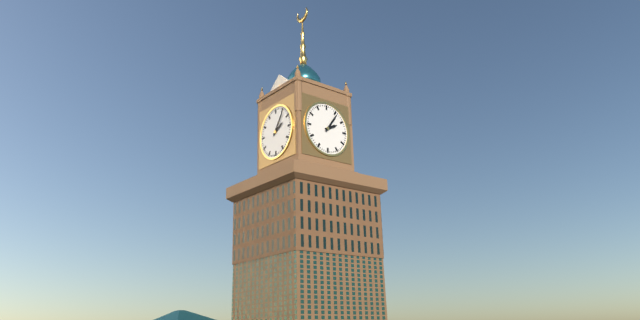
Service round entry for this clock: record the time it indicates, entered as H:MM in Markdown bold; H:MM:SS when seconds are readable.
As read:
**2:06**
